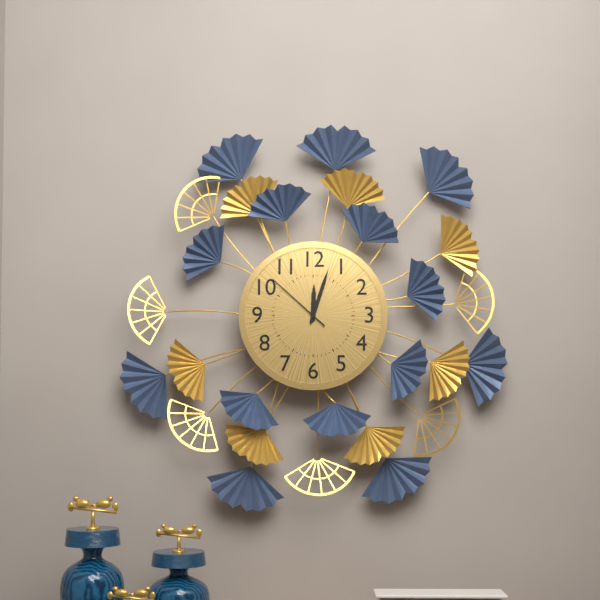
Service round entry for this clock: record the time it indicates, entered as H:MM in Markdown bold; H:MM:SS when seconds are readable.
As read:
**12:03:52**
